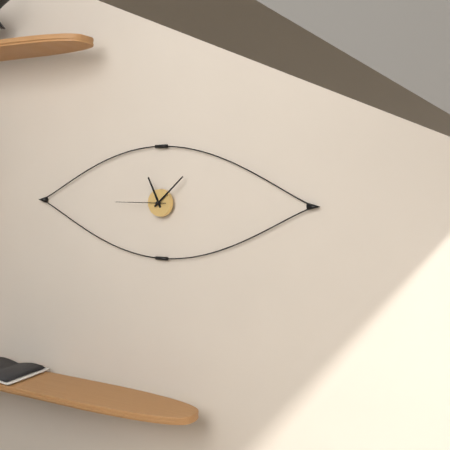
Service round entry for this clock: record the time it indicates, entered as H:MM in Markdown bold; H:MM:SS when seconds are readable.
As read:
**11:08:45**
